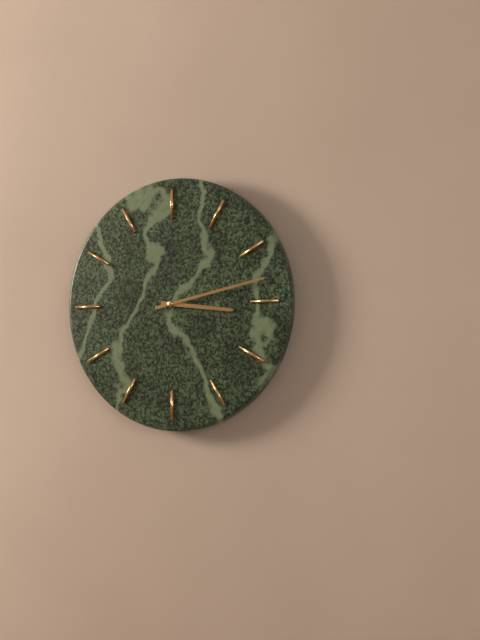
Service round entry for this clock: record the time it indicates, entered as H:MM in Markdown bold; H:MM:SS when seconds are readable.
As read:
**3:13**
